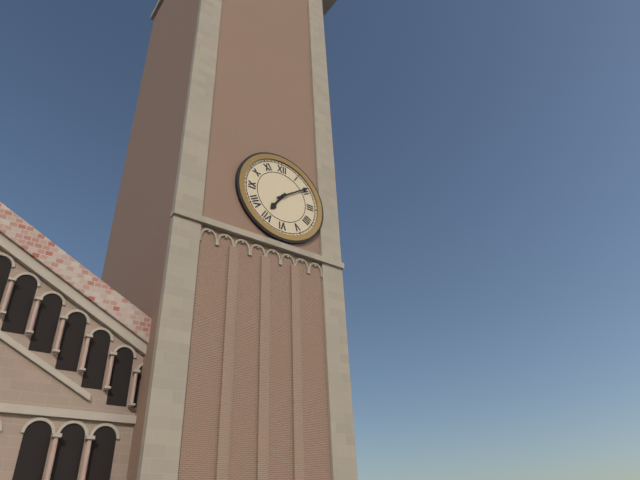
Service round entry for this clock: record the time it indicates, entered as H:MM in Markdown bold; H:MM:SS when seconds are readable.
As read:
**7:09**
